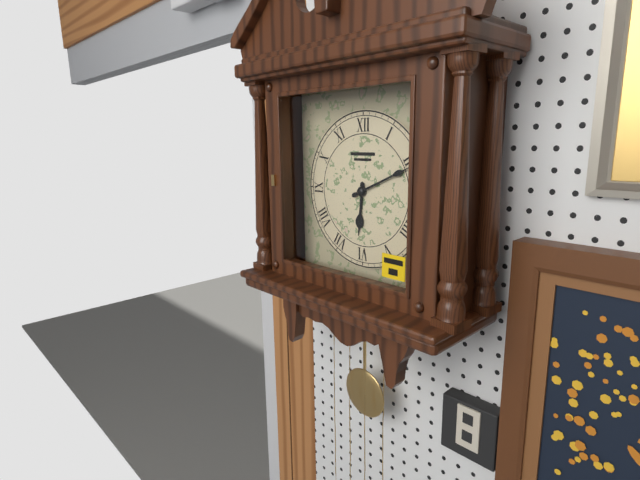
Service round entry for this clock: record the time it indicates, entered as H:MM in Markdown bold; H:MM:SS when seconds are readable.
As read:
**6:11**
